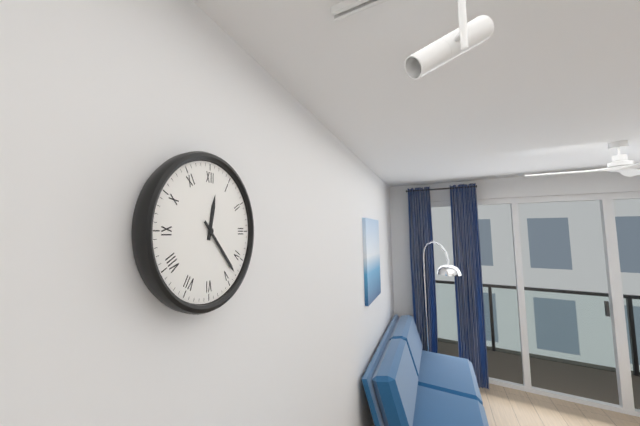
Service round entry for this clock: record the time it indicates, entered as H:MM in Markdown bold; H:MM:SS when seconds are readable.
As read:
**12:23**
